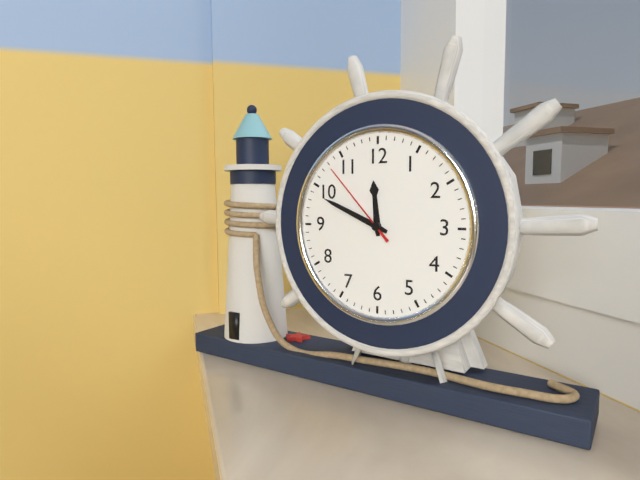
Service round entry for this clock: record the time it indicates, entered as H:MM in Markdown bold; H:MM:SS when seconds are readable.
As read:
**11:49:53**
